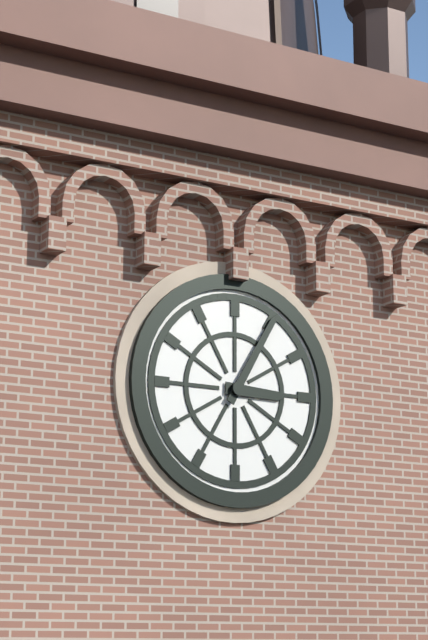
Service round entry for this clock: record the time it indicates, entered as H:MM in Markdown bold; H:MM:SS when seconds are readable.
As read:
**3:05**
